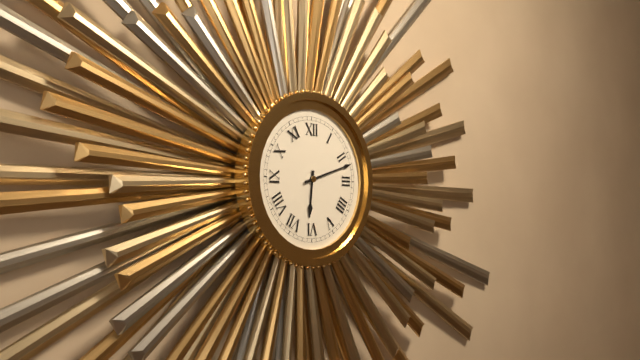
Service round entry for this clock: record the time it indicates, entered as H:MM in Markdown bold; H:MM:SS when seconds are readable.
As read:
**6:12**
